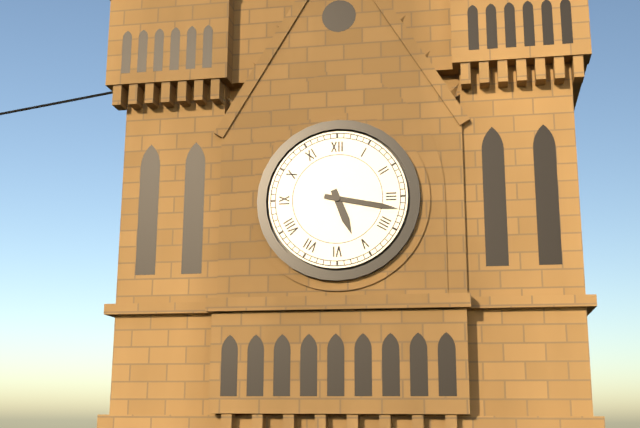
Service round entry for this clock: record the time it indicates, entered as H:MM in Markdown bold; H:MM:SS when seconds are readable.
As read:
**5:17**
